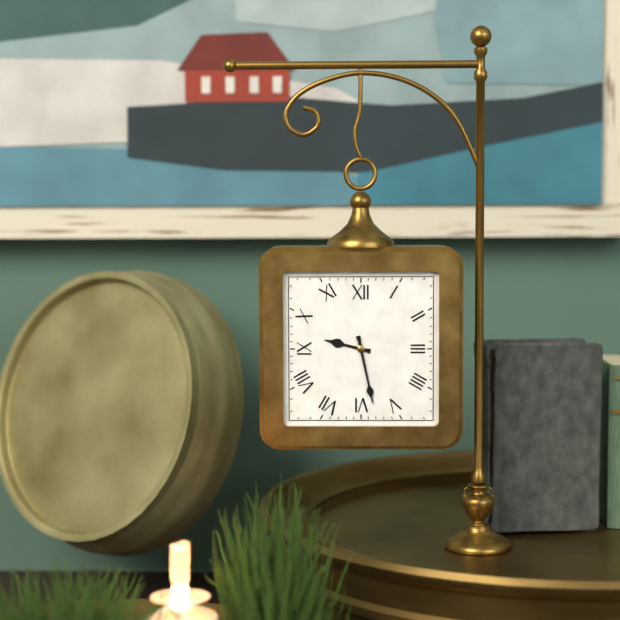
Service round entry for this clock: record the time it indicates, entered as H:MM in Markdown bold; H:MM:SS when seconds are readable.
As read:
**9:28**
